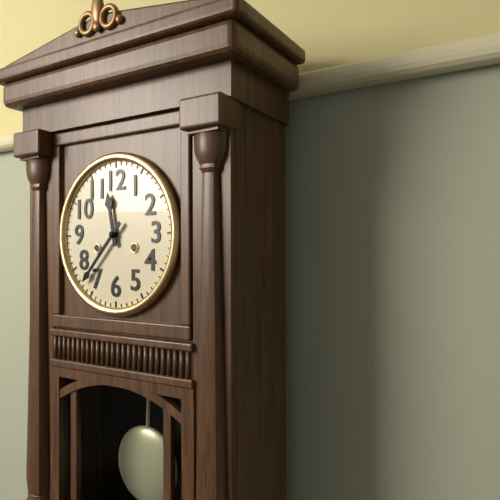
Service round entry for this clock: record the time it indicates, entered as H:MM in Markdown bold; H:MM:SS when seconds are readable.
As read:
**11:37**
